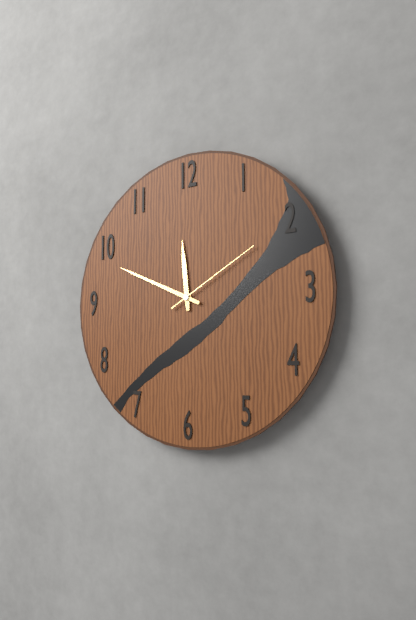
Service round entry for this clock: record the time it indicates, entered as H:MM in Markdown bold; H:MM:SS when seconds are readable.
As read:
**11:49:10**
